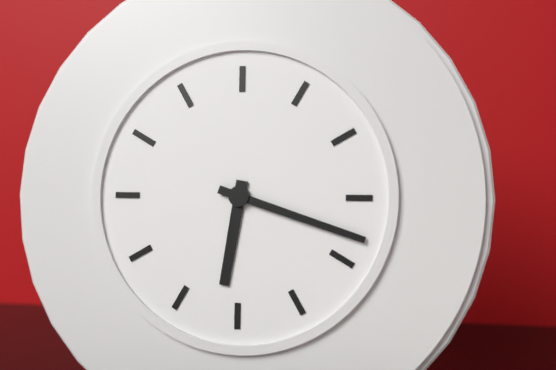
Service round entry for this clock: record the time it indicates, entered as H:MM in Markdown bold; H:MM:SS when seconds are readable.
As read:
**6:18**
